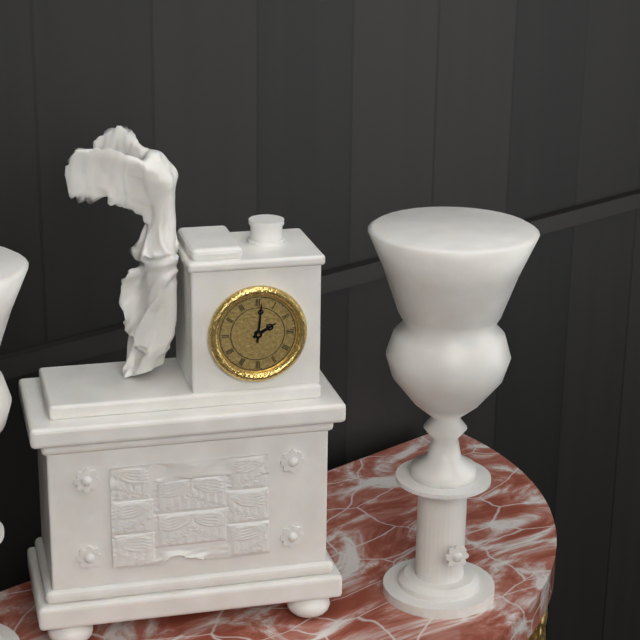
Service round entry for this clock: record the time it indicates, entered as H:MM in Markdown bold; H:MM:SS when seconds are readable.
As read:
**2:01**
